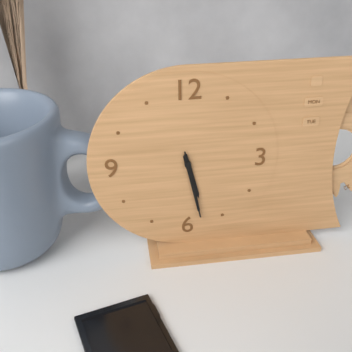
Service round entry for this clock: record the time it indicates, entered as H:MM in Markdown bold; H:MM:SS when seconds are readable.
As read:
**5:28:28**
